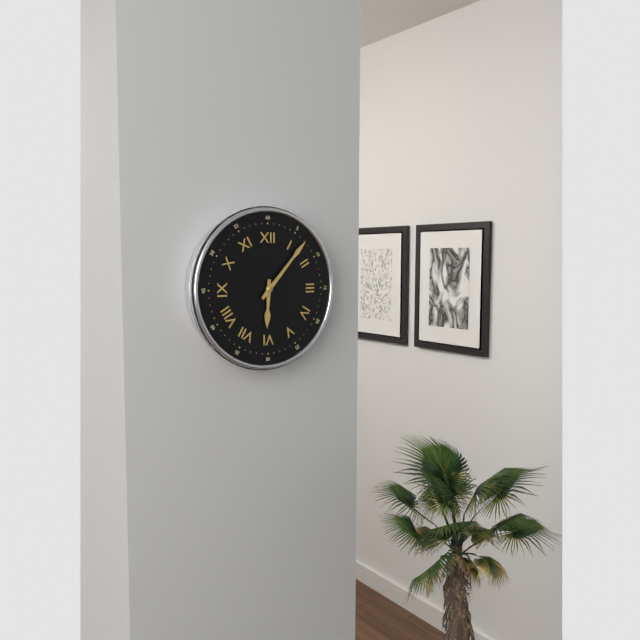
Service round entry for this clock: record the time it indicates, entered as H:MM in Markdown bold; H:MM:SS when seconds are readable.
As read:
**6:07**
